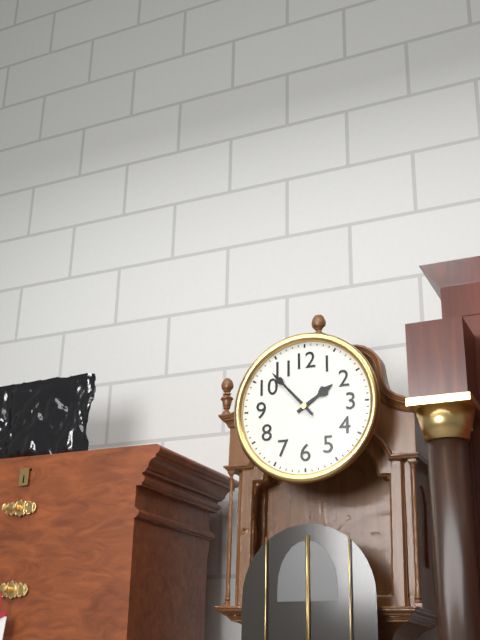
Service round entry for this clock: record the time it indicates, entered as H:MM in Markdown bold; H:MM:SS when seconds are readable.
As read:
**1:53**
